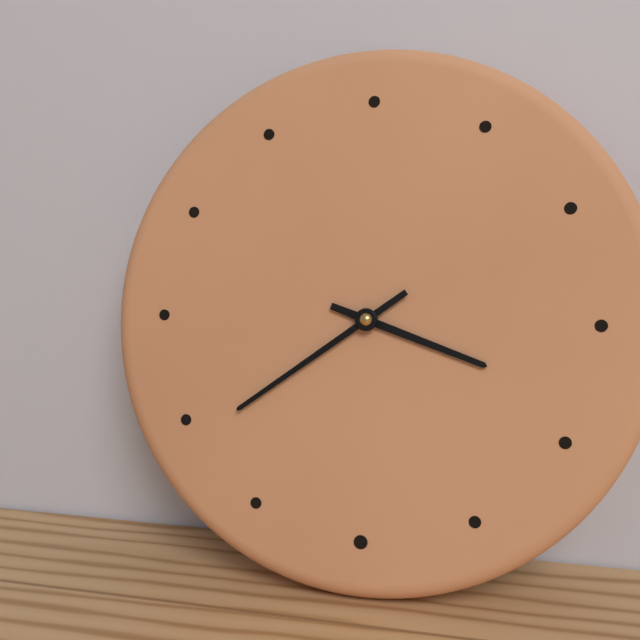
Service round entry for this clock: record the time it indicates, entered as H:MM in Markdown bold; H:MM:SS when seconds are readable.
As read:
**3:39**
